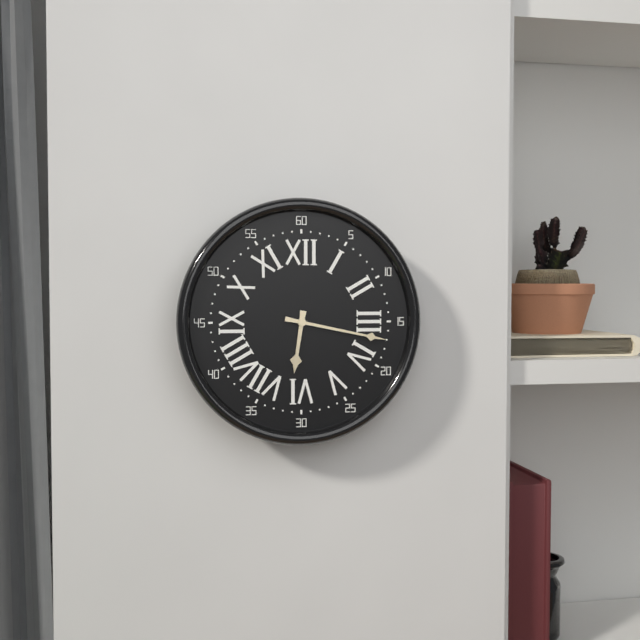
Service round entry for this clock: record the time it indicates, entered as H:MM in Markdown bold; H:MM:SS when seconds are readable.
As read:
**6:17**
